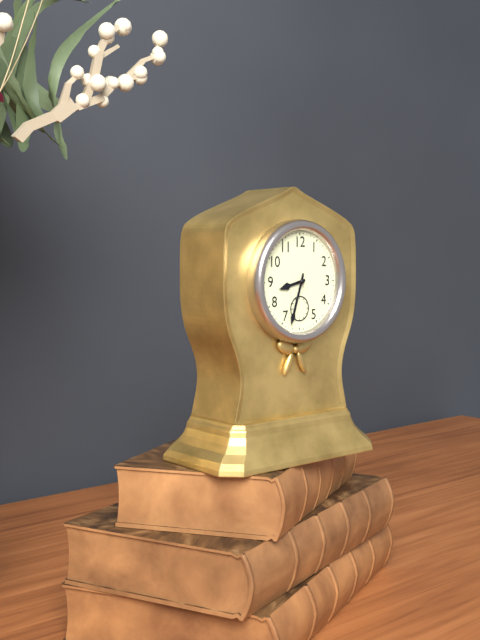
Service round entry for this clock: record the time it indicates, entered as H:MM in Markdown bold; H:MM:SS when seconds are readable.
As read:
**8:33**
